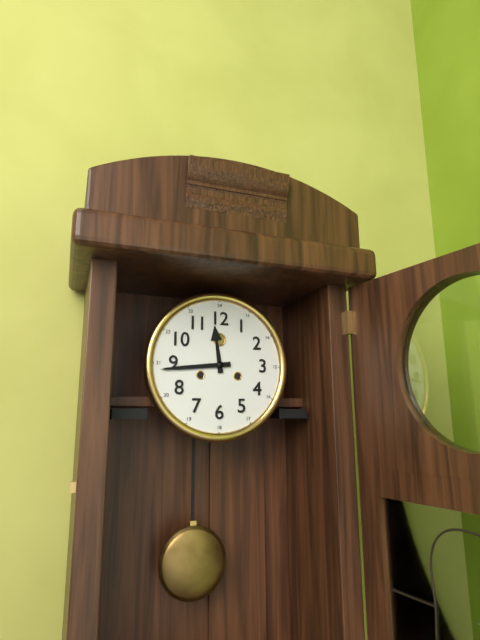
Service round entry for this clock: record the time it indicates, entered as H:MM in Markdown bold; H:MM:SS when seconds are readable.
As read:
**11:44**
